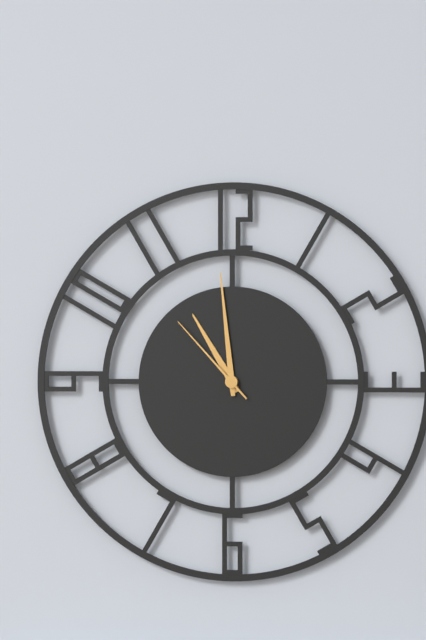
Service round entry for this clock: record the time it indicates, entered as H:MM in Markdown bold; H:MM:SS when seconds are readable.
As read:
**10:59:53**
